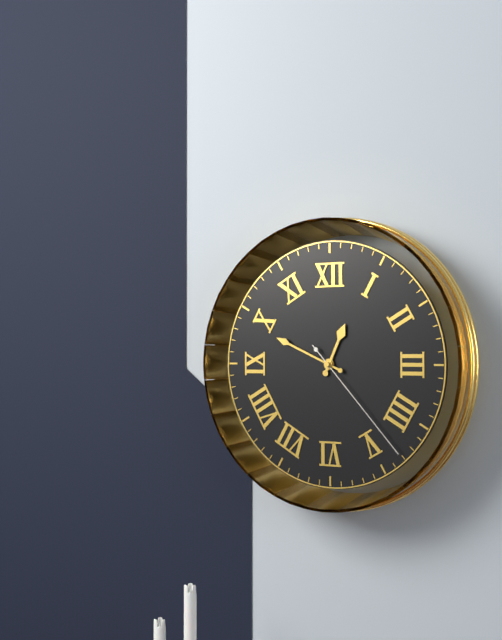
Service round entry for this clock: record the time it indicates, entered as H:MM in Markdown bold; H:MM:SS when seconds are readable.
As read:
**12:49:23**
